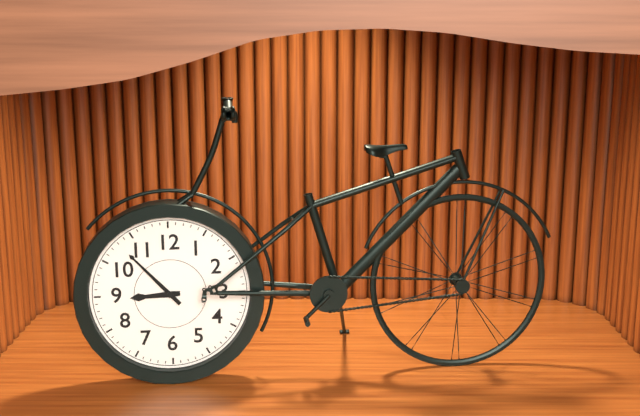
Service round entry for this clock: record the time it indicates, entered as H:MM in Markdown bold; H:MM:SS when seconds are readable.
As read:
**8:53**
